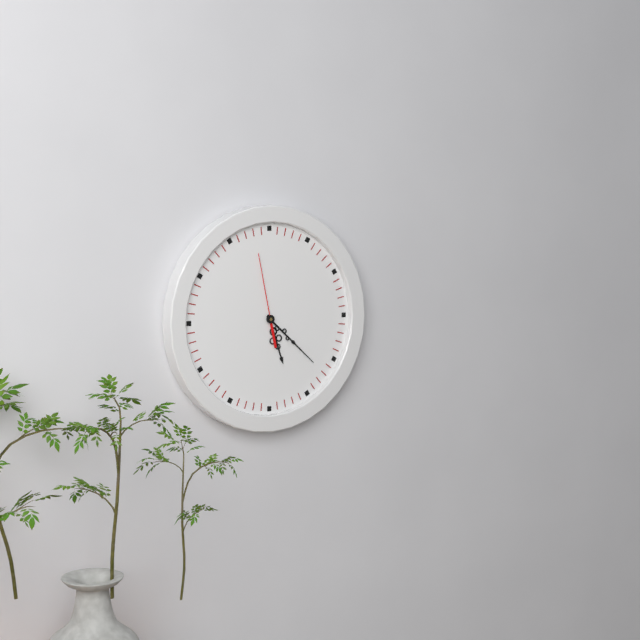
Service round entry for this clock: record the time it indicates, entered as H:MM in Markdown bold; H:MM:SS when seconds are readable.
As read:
**5:22:58**
